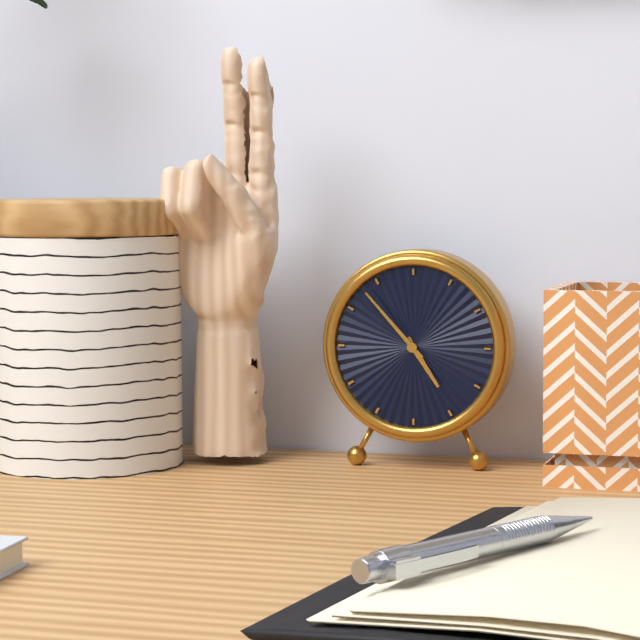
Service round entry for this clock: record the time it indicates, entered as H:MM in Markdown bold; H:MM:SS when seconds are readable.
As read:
**4:53**
